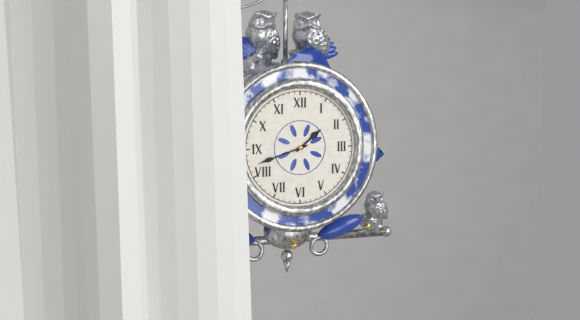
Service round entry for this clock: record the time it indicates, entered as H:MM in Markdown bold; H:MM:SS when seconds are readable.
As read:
**1:42**
